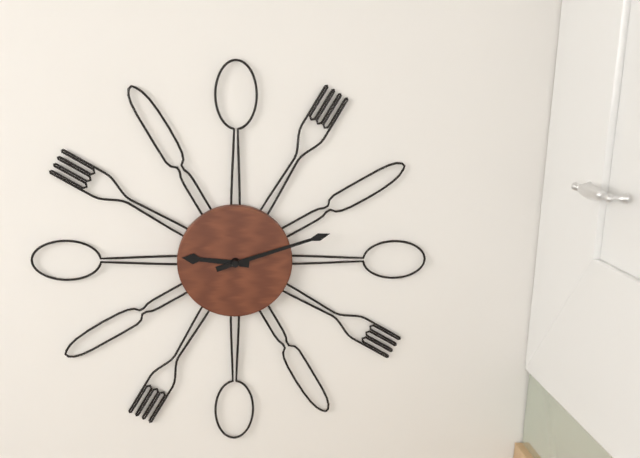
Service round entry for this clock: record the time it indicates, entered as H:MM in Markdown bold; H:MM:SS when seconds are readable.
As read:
**9:12**
